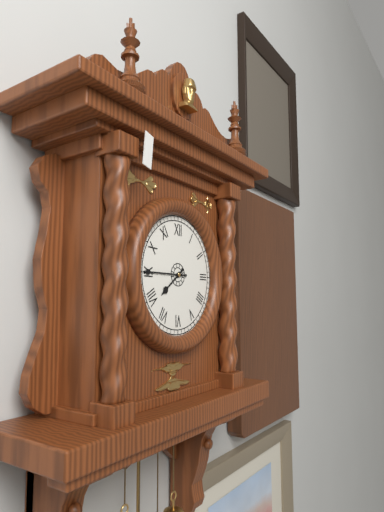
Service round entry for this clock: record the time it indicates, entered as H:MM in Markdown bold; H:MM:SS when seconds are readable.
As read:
**7:45**
